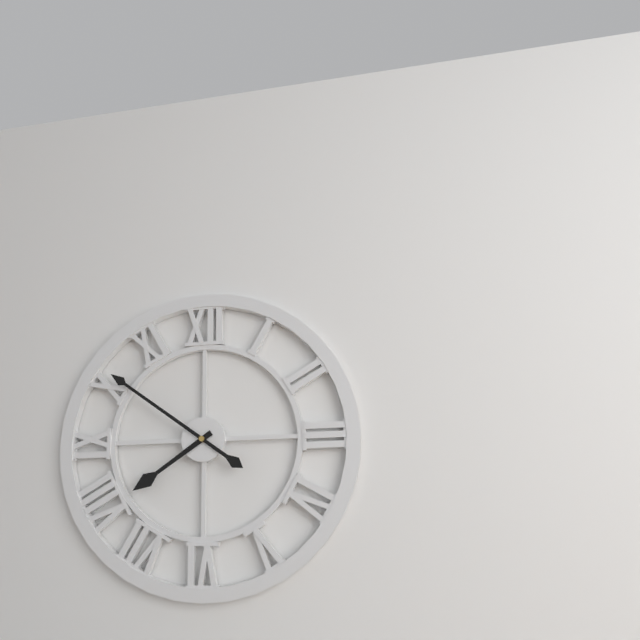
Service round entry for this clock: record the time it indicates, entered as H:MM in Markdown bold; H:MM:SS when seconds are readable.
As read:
**7:51**
